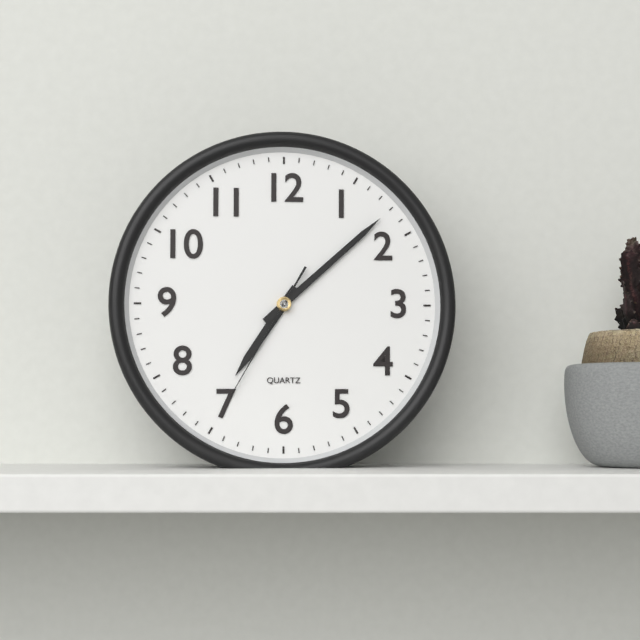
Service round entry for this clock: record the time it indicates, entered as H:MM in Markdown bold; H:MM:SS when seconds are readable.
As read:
**7:08:35**
